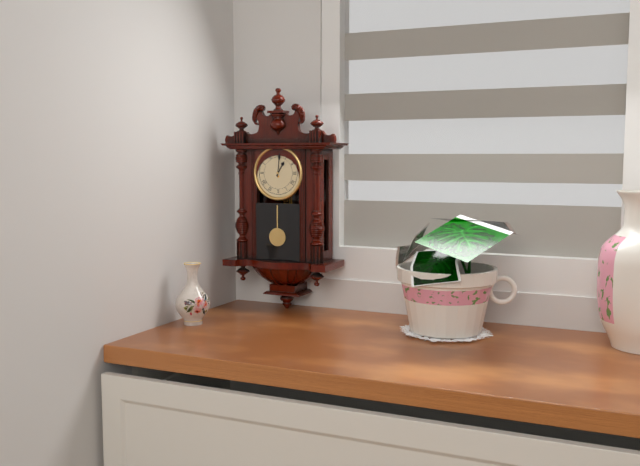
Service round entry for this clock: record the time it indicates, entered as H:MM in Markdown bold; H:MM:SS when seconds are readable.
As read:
**1:01**
